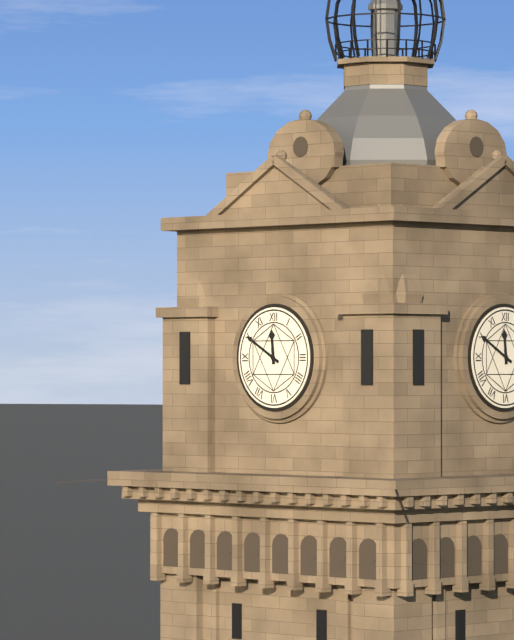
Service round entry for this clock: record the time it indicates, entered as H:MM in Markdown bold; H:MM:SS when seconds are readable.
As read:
**11:50**
